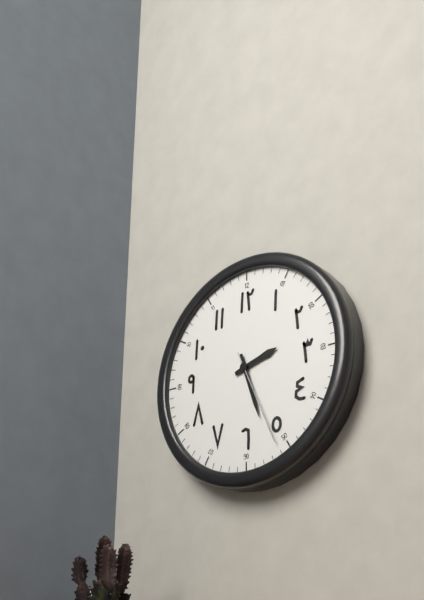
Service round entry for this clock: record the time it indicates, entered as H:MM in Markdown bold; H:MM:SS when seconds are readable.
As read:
**2:27:26**
